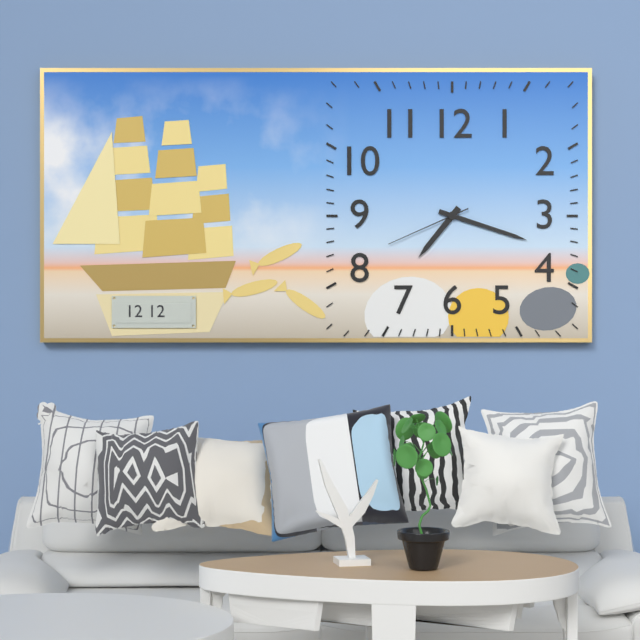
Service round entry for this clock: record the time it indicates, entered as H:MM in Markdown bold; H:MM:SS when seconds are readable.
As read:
**7:18:41**
